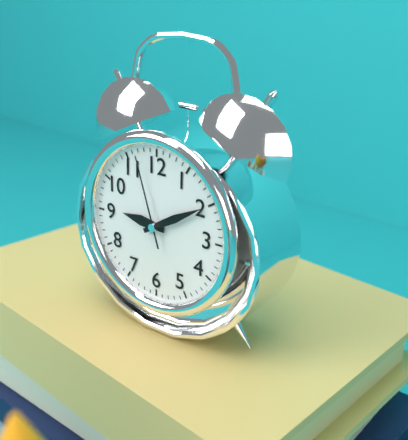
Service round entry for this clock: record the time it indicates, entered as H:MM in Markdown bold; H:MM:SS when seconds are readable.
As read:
**9:10:57**
